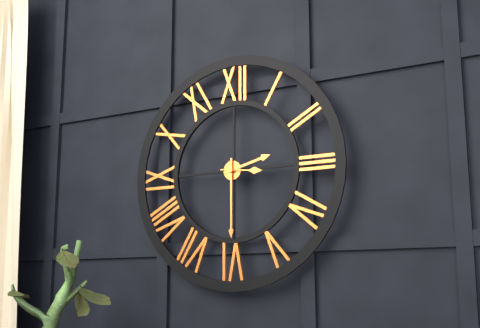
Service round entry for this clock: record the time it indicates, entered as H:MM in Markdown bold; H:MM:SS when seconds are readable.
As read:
**2:30**
